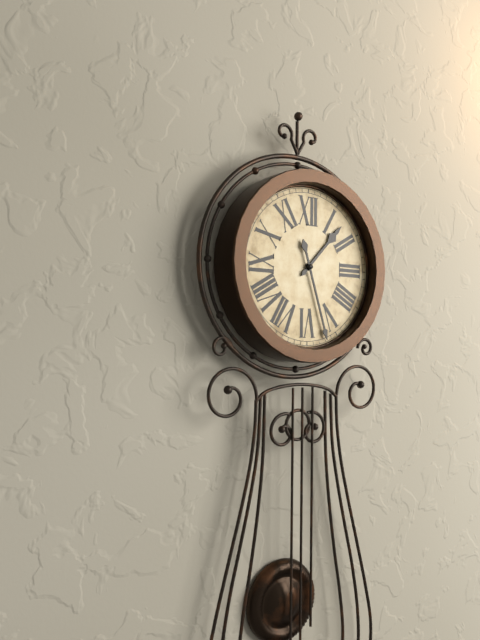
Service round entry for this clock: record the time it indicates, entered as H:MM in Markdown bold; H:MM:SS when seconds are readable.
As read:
**1:27**
